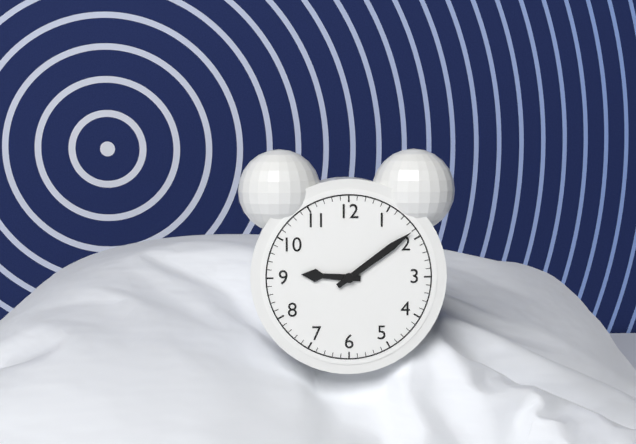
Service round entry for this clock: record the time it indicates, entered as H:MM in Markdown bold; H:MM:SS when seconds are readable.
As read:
**9:09**
